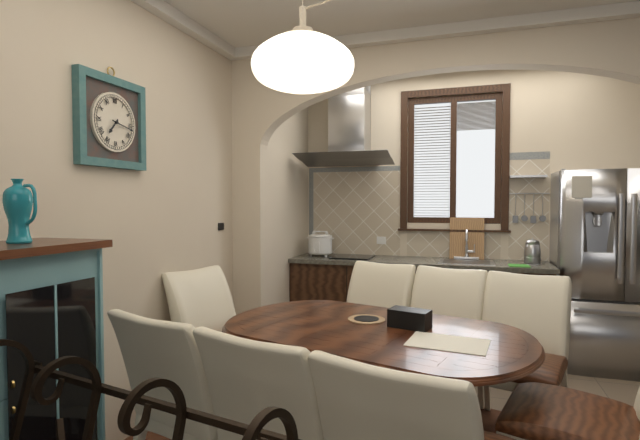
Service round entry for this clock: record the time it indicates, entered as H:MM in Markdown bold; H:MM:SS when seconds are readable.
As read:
**7:17**
